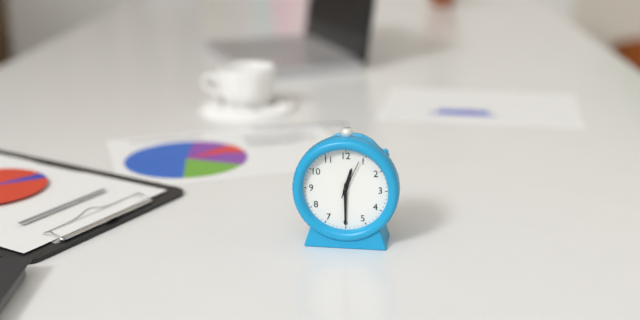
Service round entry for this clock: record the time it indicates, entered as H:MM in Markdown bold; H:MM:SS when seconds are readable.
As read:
**12:30**
